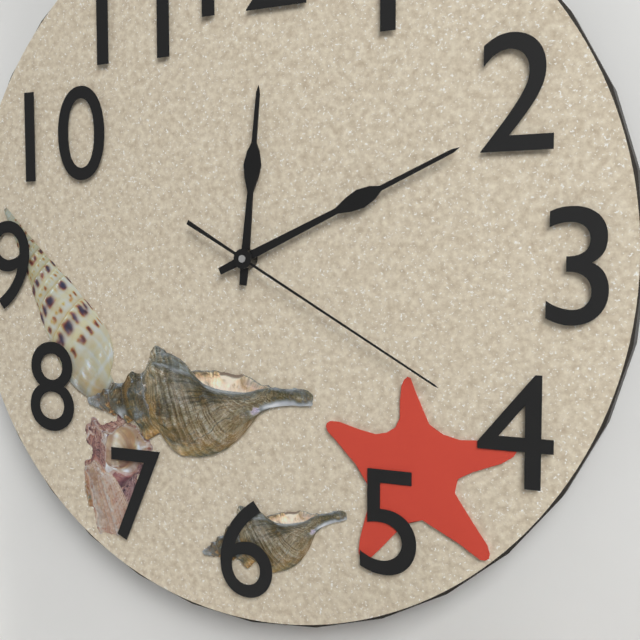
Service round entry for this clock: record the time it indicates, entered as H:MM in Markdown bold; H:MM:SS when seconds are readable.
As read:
**12:11:20**
